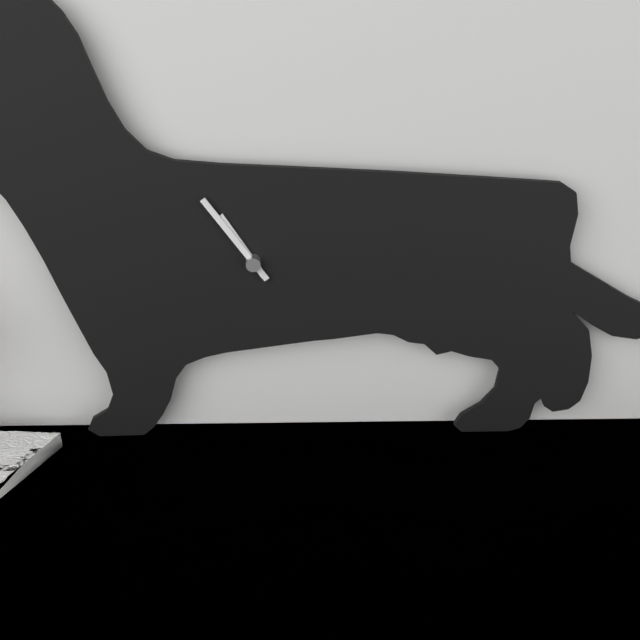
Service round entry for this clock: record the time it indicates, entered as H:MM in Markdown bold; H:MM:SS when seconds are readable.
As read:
**10:54**
